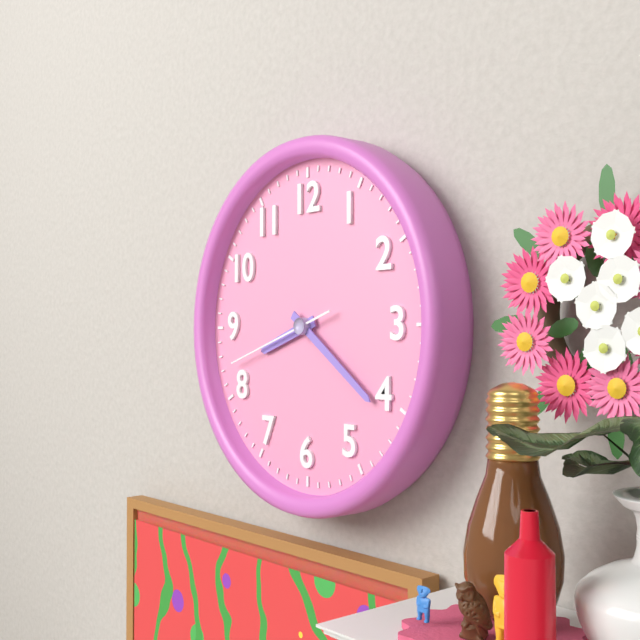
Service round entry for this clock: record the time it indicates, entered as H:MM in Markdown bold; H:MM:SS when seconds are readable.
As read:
**8:21:42**
